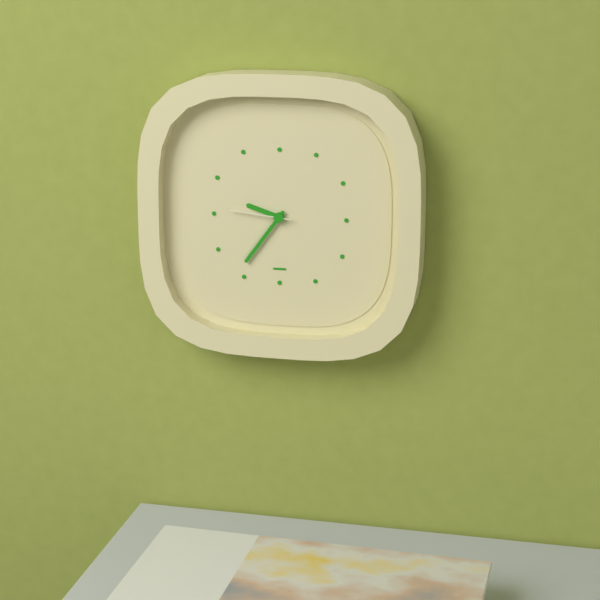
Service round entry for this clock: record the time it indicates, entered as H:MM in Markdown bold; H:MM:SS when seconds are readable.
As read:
**9:36:46**
